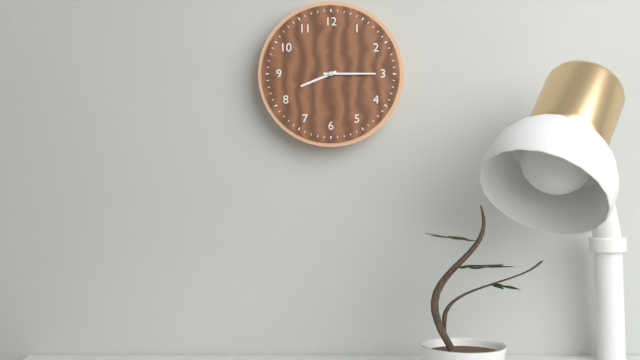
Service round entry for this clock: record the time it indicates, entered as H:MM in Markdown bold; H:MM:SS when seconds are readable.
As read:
**8:15**
